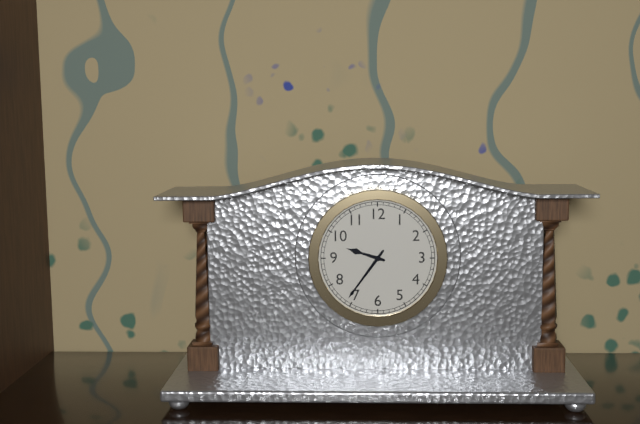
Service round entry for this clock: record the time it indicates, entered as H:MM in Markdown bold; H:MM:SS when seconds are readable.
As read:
**9:36**
